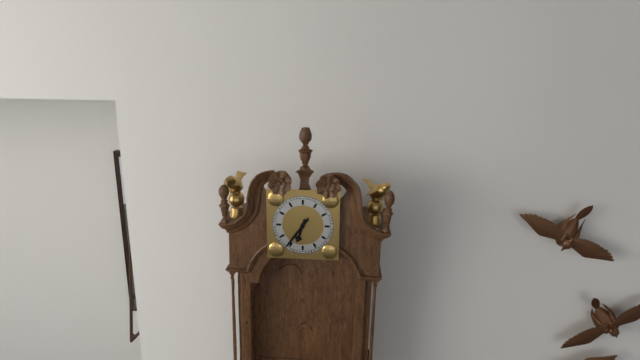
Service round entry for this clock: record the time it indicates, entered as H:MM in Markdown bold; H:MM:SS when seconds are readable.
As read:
**6:36**
